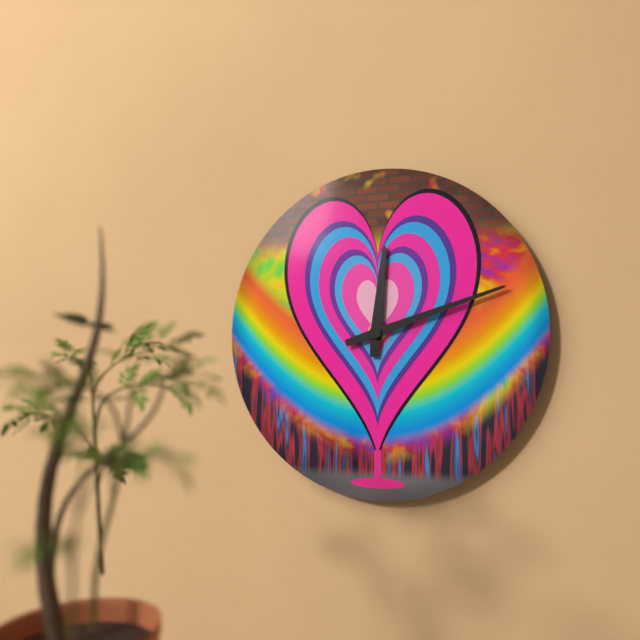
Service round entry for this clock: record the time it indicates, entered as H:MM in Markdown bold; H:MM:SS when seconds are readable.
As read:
**12:12**
